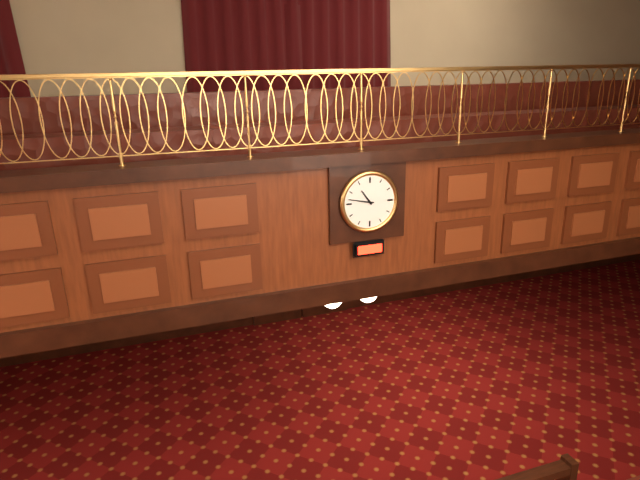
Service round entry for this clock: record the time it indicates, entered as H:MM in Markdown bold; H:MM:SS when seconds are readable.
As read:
**10:47**
